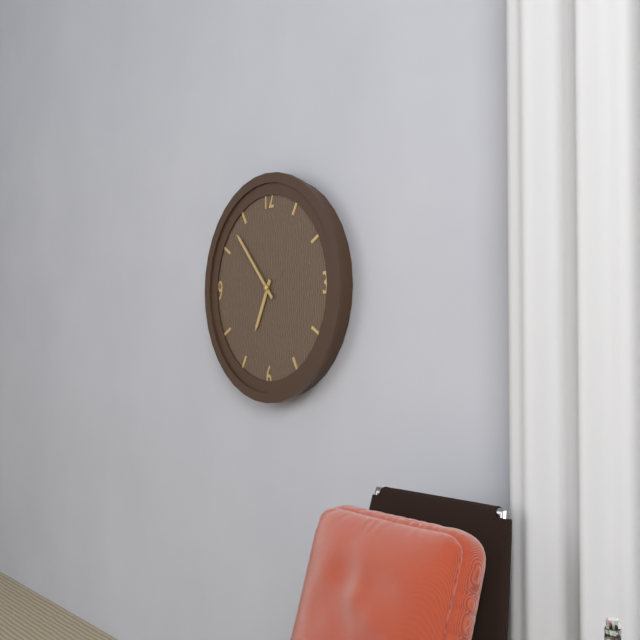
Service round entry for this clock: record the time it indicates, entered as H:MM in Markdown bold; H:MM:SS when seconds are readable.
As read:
**6:53**
